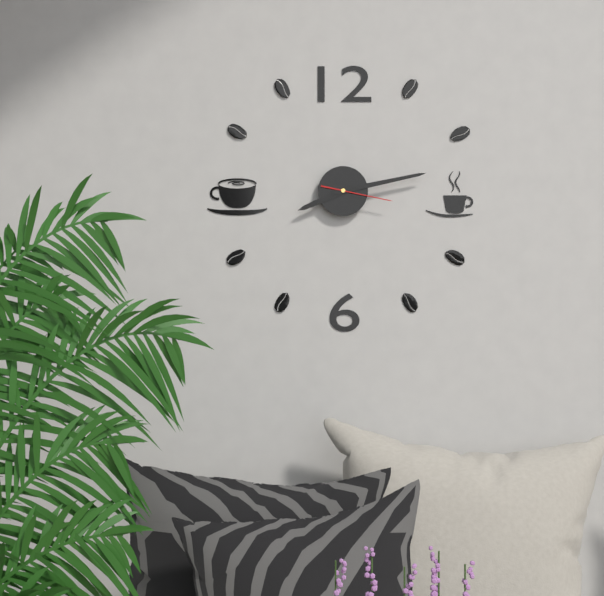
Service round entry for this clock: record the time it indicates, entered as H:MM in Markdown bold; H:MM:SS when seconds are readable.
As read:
**8:13:17**
